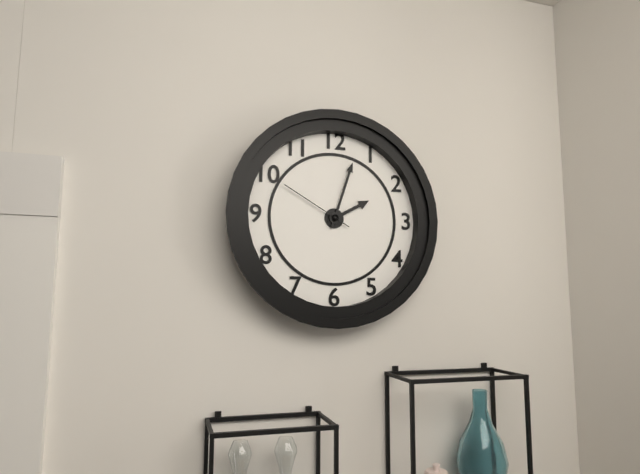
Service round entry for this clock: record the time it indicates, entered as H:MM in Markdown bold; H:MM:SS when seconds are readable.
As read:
**2:03:50**
